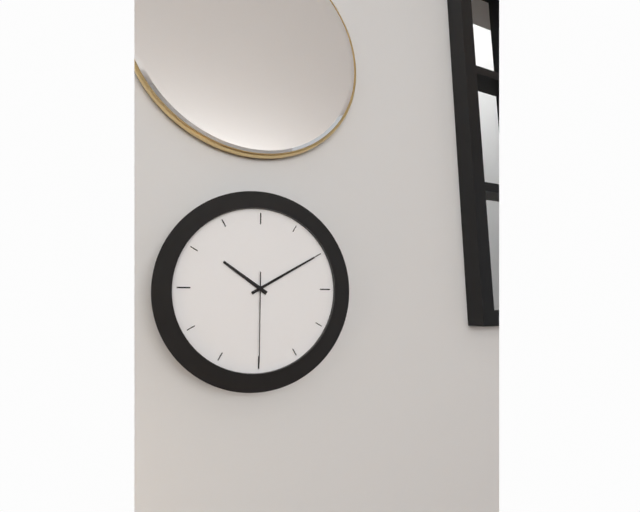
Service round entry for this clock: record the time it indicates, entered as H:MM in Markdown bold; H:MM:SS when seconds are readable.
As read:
**10:10:30**
